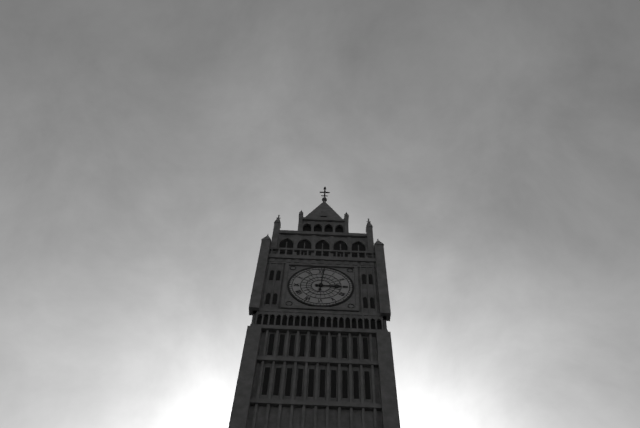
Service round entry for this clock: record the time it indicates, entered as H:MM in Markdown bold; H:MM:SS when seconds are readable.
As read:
**3:01**
